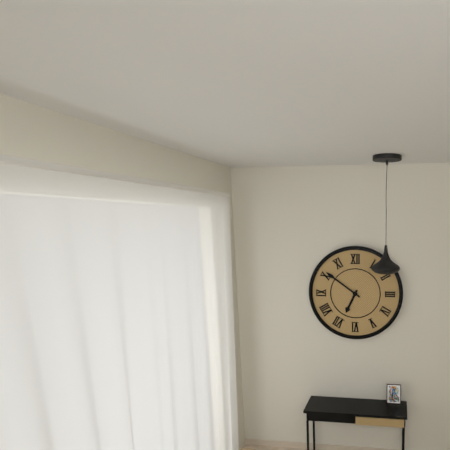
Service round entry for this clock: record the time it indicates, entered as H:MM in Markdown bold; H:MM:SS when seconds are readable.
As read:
**6:51**
